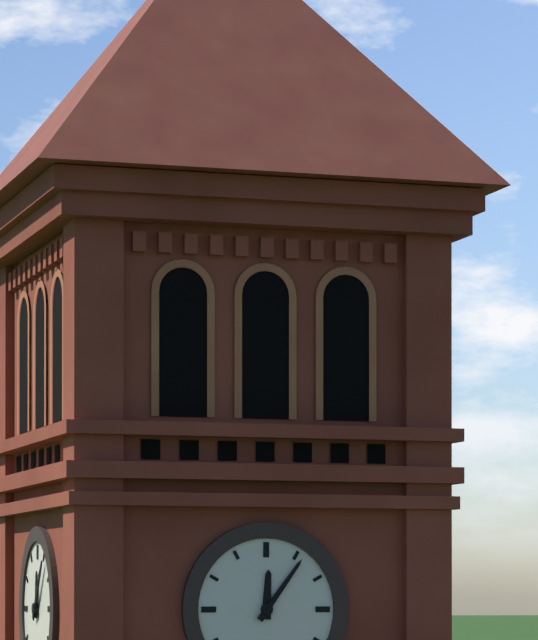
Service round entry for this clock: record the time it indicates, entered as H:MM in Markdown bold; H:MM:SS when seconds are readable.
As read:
**12:06**
